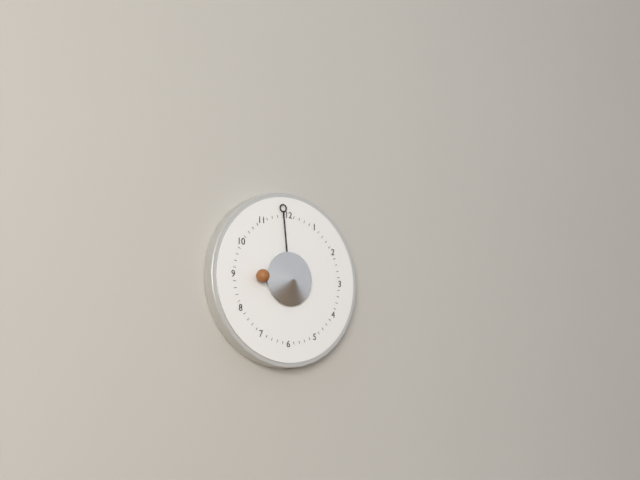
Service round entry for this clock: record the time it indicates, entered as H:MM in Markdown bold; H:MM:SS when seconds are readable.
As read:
**8:59**
